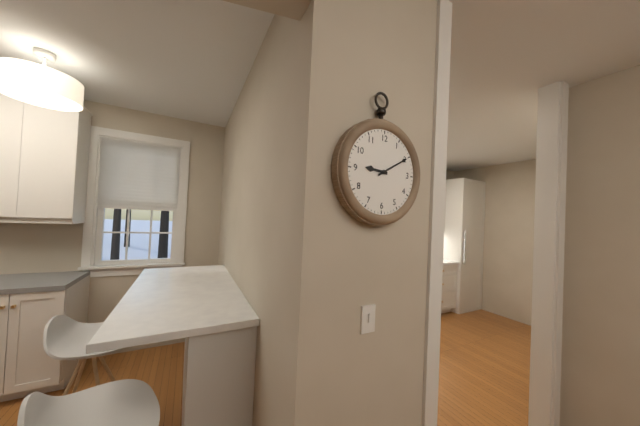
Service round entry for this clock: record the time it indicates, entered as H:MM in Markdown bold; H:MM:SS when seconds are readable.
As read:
**9:10**
